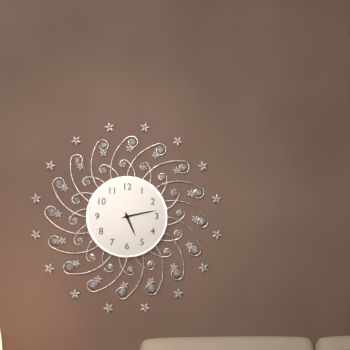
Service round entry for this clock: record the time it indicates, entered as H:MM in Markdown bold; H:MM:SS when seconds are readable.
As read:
**5:13**
